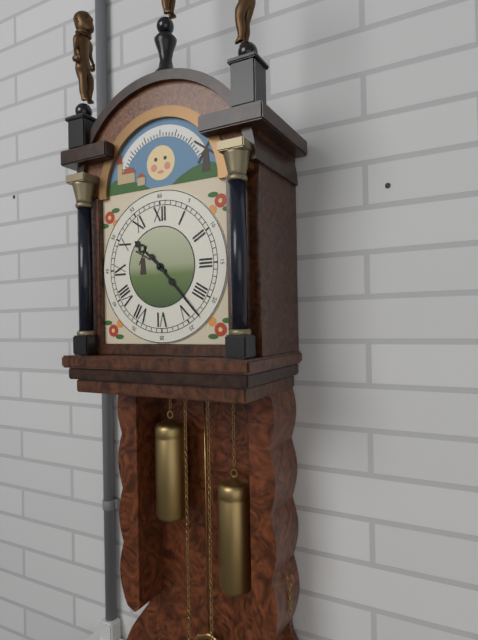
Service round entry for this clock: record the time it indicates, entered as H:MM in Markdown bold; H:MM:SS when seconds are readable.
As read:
**10:23**
